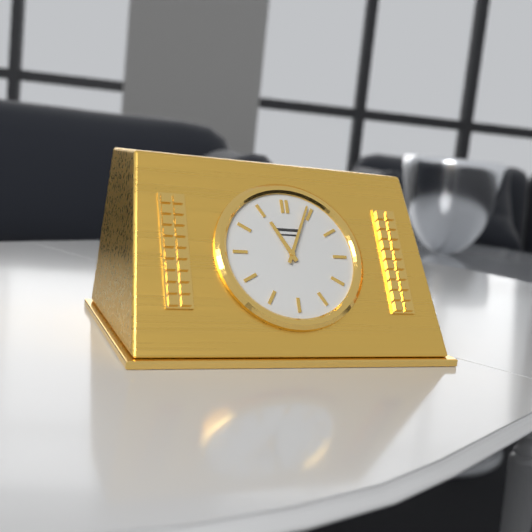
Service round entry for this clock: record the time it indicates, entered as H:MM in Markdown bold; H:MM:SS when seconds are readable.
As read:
**11:04**
